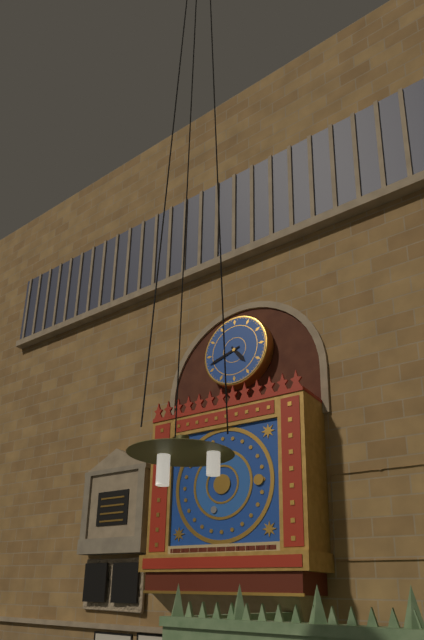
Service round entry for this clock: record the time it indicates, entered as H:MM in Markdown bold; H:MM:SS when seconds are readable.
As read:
**4:42**
